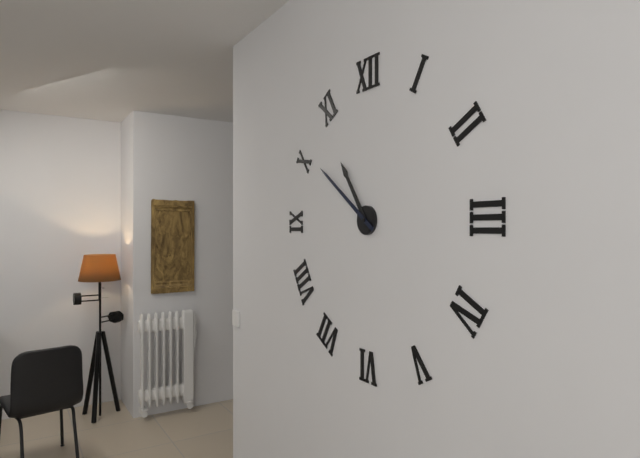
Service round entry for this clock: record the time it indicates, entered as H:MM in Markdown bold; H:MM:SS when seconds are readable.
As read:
**10:51**
